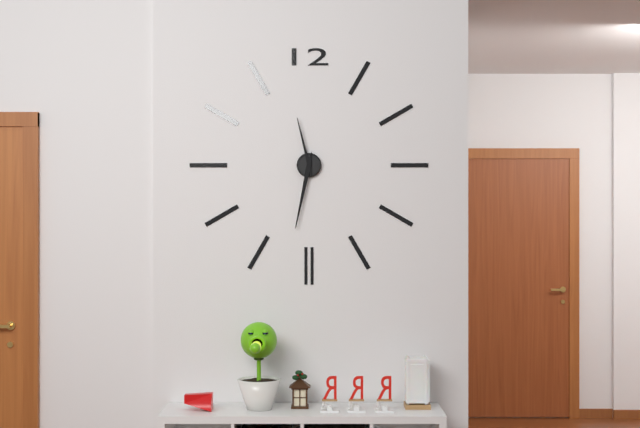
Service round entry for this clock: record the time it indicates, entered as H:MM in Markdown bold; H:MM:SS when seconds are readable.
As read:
**11:32**
